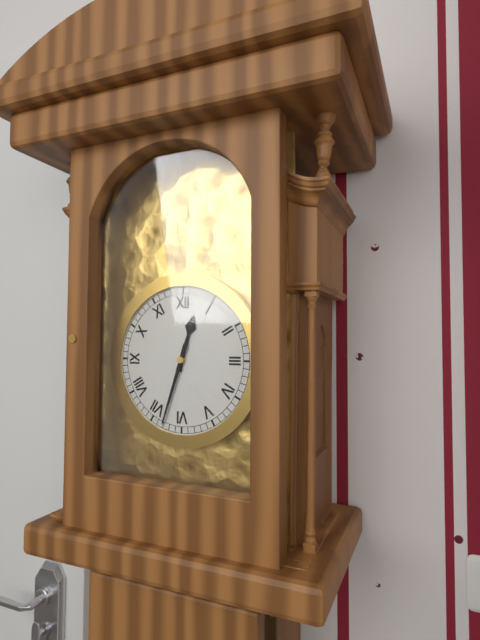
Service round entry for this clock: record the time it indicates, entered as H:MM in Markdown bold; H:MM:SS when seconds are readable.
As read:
**12:33**
